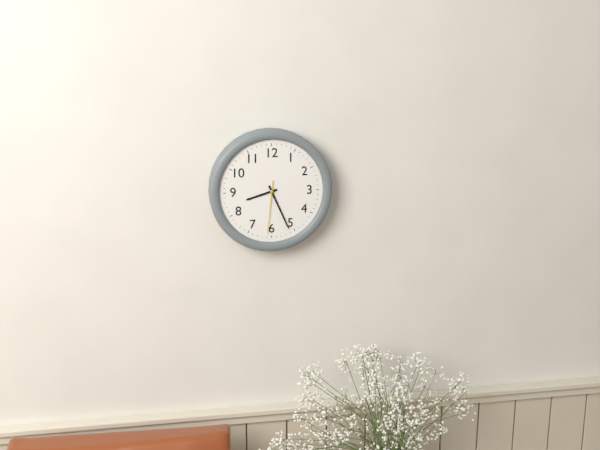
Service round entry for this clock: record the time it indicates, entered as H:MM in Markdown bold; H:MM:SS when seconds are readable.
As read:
**8:26:31**
